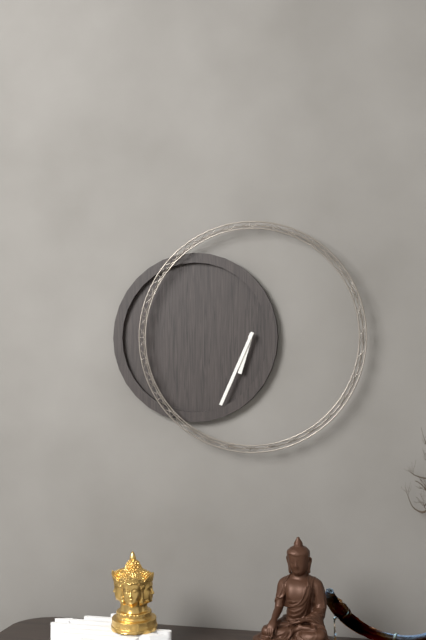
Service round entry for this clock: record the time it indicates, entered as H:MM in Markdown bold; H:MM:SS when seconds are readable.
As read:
**6:34**
